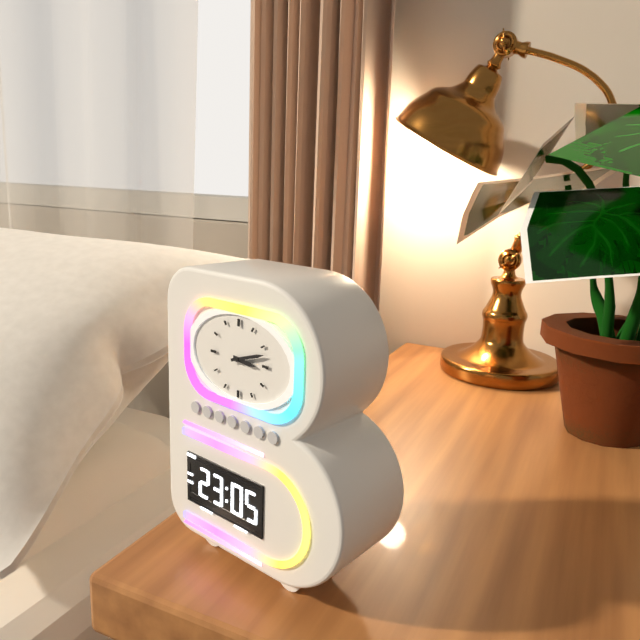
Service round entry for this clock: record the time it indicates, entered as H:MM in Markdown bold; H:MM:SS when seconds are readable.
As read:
**3:12**
